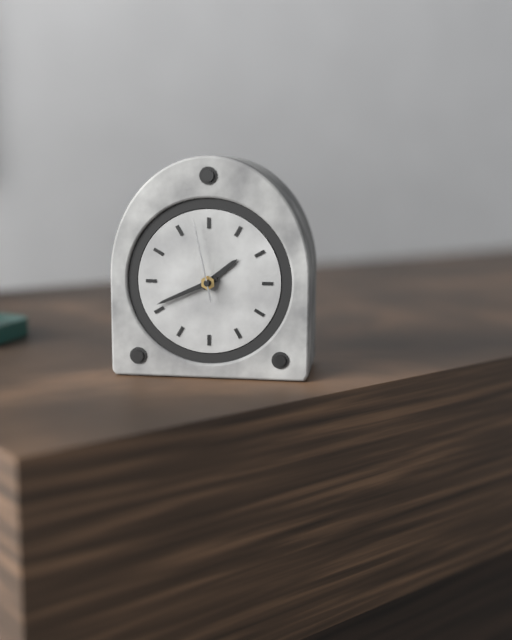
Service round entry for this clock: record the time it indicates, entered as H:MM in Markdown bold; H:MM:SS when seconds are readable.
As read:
**1:41:58**
